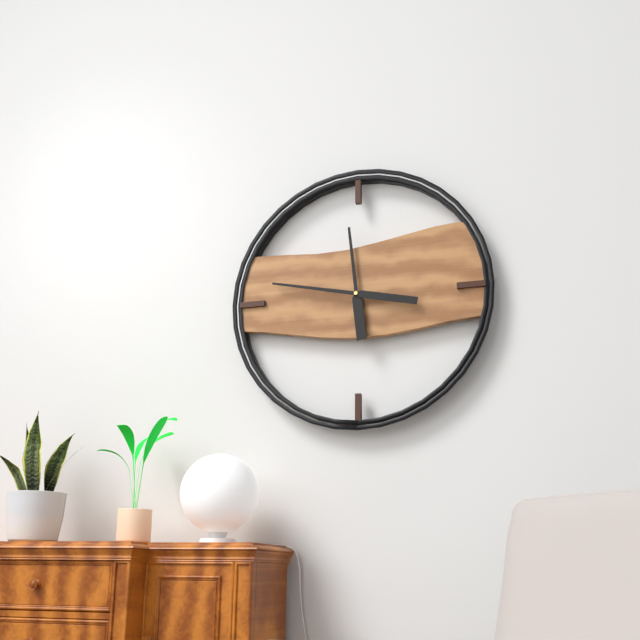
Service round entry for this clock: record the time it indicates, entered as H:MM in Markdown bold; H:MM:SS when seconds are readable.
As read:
**11:47**
